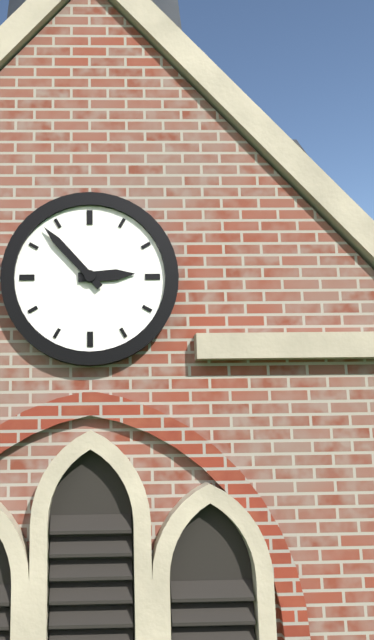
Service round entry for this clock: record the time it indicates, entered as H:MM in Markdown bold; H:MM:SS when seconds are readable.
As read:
**2:53**
